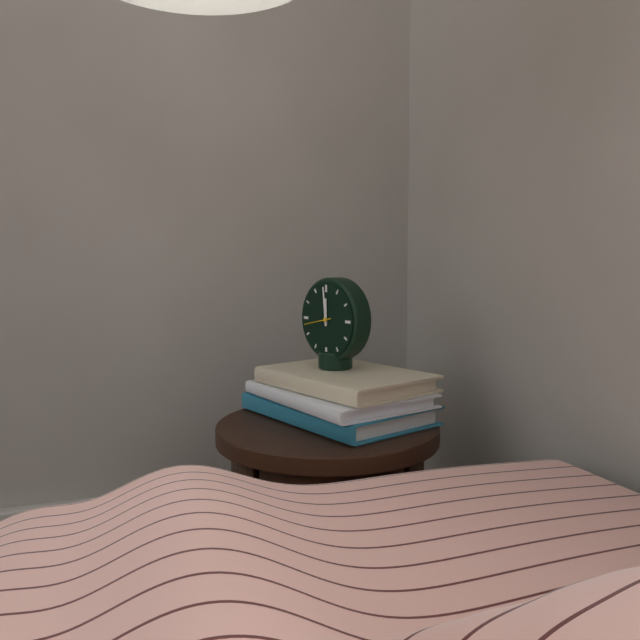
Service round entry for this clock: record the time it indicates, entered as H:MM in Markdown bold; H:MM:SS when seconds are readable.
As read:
**11:59**
